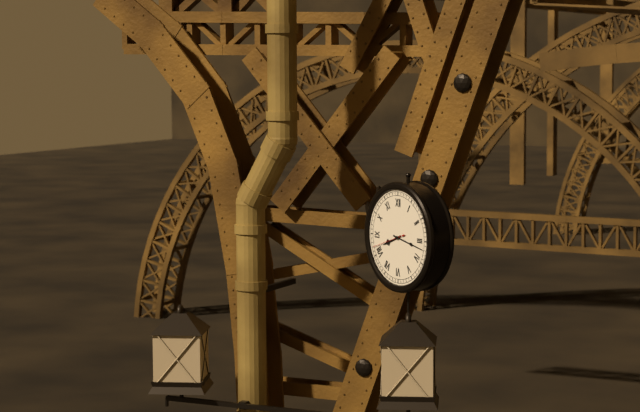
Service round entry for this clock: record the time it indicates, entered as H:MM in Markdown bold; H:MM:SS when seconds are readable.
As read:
**8:17**
